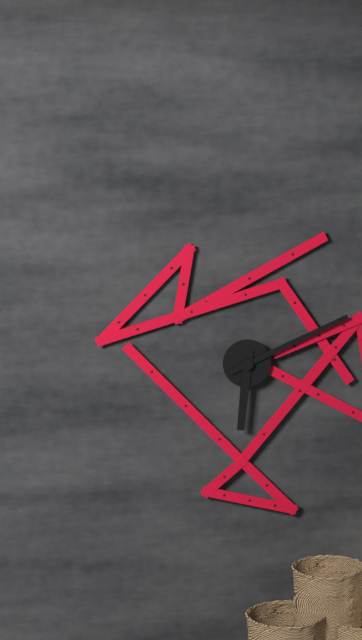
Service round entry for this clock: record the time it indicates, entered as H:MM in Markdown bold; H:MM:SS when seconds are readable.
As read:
**6:11**
